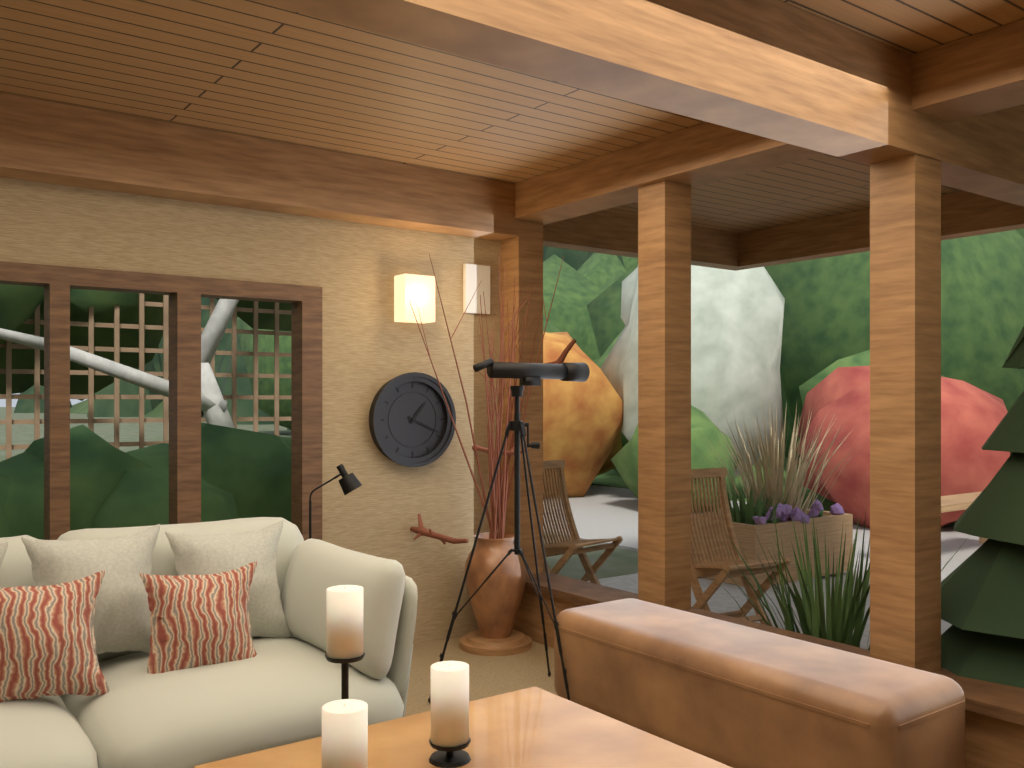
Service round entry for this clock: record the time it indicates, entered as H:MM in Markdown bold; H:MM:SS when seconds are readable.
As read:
**1:19**
